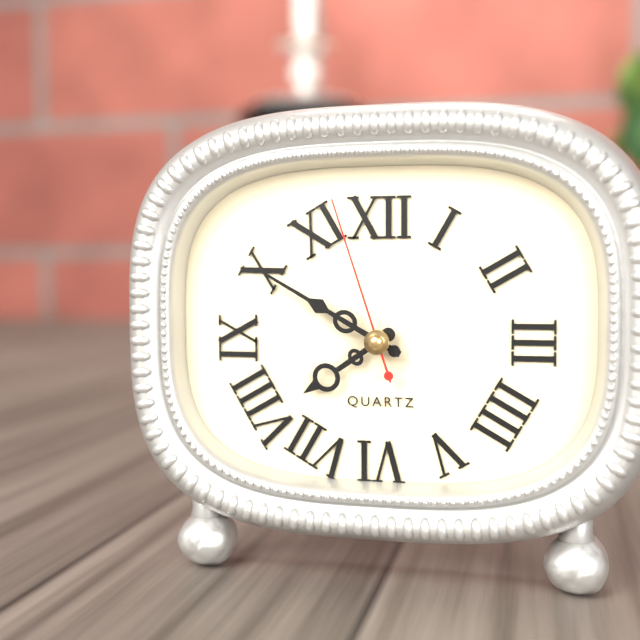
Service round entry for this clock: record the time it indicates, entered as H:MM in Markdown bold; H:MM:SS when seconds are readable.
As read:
**7:50:57**
